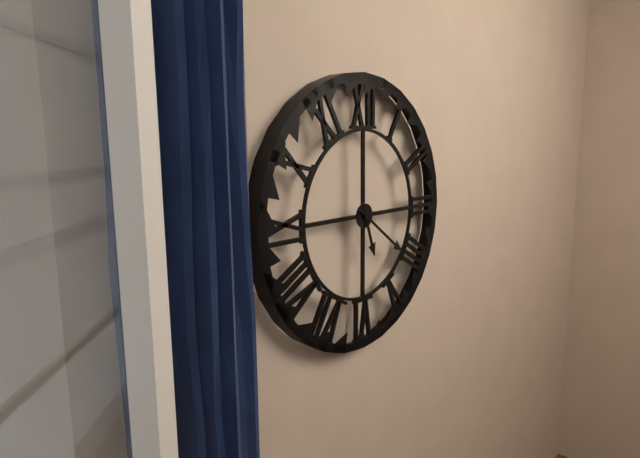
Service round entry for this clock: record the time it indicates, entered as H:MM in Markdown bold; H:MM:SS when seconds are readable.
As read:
**5:21**
